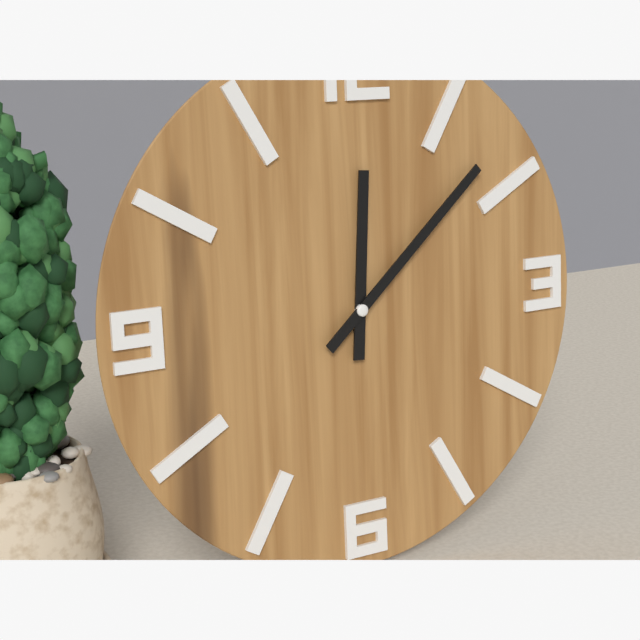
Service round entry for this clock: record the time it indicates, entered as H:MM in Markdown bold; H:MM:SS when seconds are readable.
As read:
**12:08**
